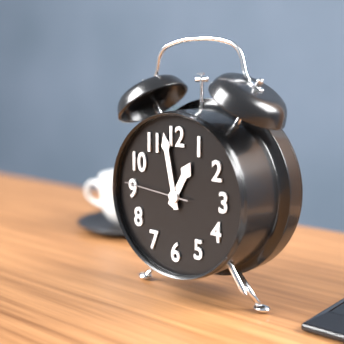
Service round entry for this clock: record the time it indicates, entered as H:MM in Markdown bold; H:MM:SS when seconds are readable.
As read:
**12:58:46**
